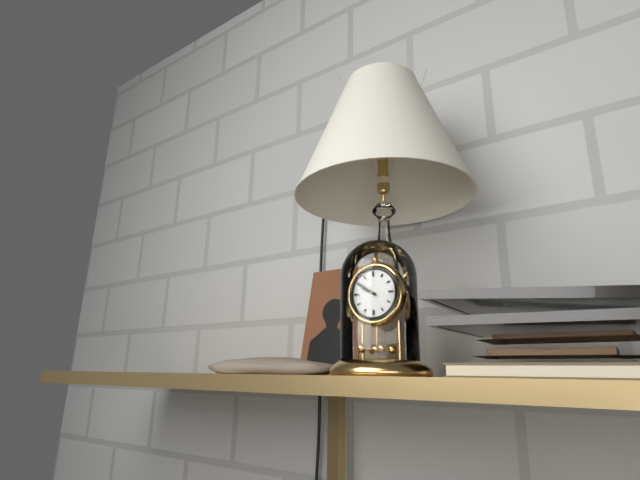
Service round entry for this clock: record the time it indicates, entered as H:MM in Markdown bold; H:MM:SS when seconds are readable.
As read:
**9:51**
